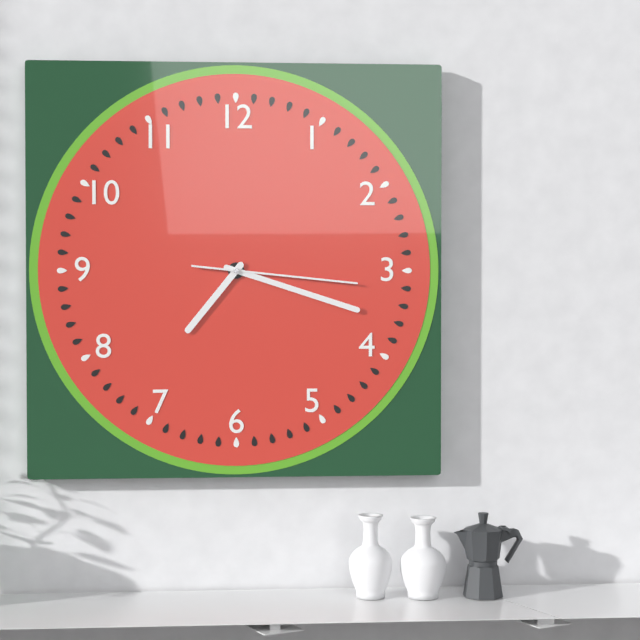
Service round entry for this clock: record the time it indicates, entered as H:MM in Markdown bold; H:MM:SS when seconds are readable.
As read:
**7:18:16**
